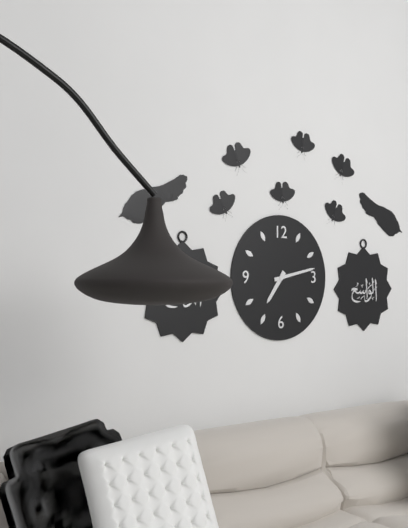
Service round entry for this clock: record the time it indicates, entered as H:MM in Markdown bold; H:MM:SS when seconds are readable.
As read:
**7:13**
